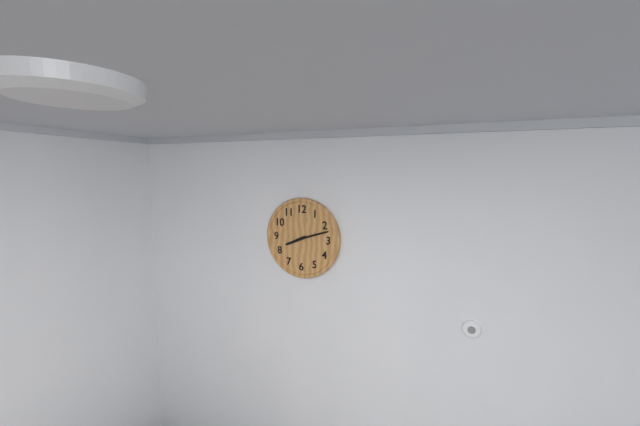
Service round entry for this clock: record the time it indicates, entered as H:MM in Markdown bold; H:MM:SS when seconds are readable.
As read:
**8:12**
